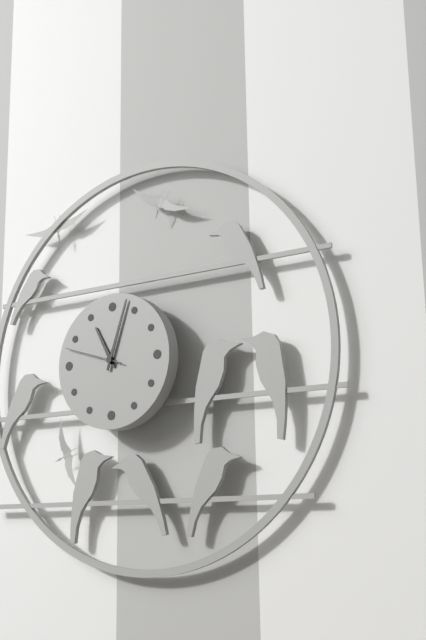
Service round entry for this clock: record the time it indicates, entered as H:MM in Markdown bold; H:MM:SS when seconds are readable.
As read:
**11:03:48**
